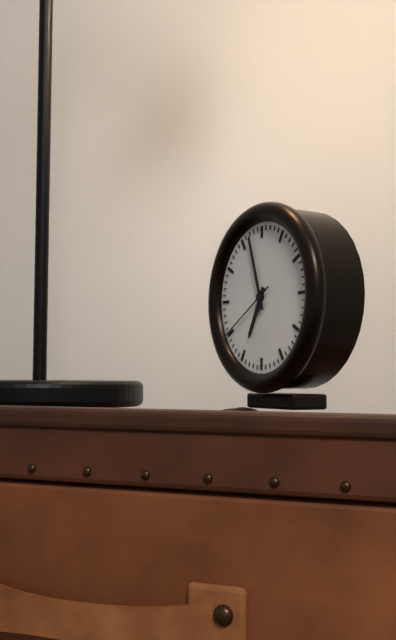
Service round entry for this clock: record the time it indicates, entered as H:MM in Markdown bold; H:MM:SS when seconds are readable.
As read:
**6:57:40**
